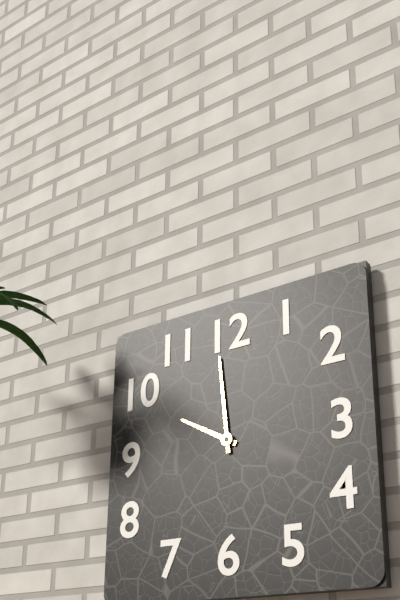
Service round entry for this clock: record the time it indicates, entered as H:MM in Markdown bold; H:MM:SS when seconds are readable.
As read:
**9:59**
